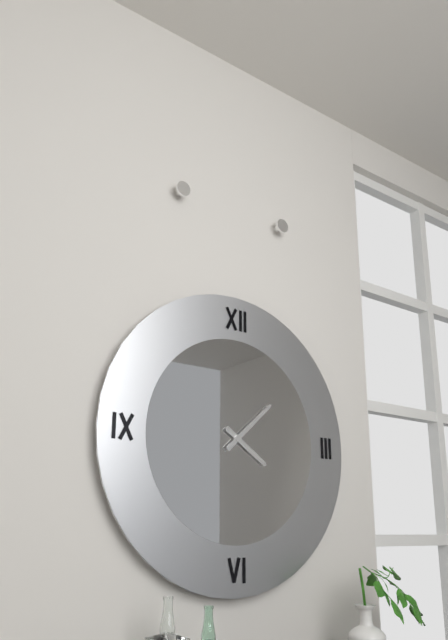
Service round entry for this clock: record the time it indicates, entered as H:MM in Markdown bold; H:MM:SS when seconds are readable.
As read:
**4:08**
